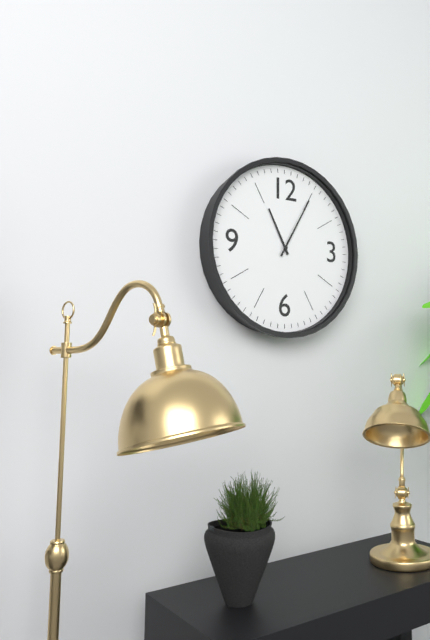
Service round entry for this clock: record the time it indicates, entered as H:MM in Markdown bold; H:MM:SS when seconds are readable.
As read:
**11:05**
